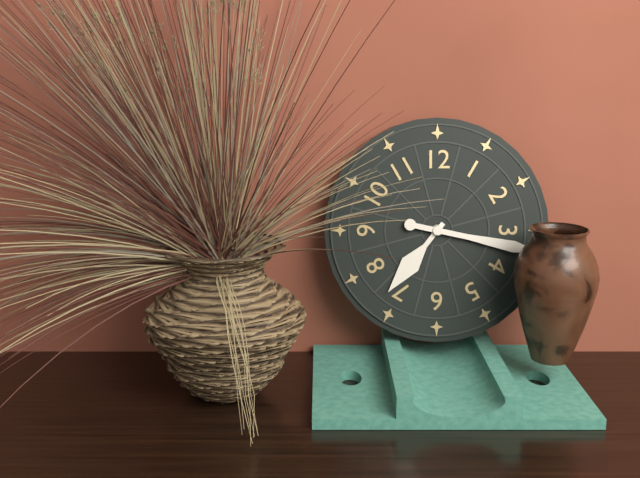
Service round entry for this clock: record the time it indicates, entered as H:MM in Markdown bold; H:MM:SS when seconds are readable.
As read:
**7:17**
